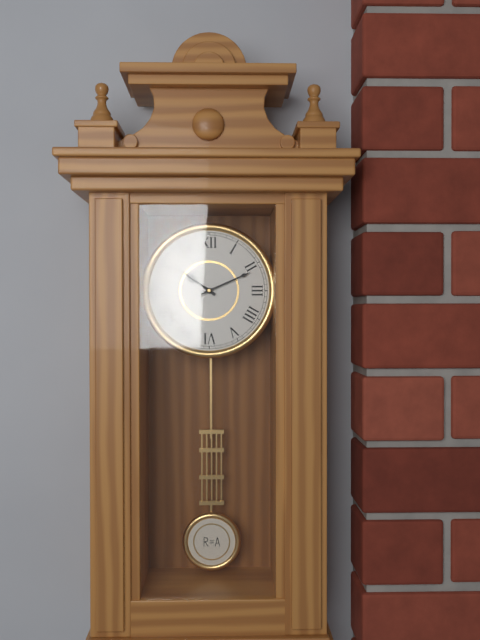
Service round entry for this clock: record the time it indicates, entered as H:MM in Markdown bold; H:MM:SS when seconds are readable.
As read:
**10:11**
